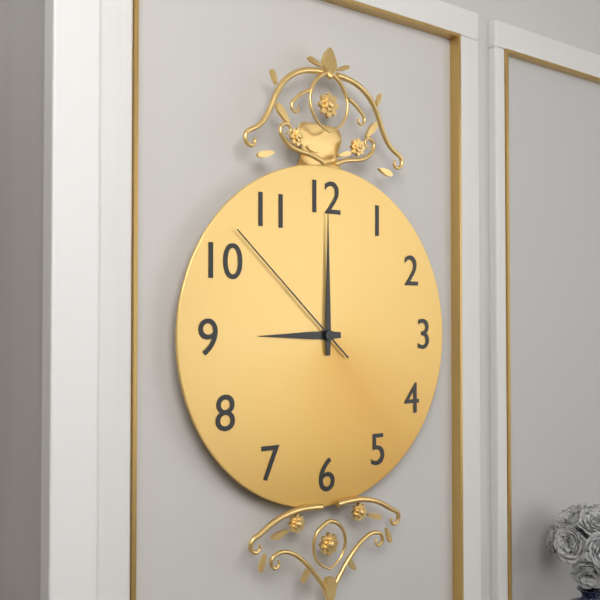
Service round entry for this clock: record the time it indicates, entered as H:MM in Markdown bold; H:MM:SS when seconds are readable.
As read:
**9:00:52**
